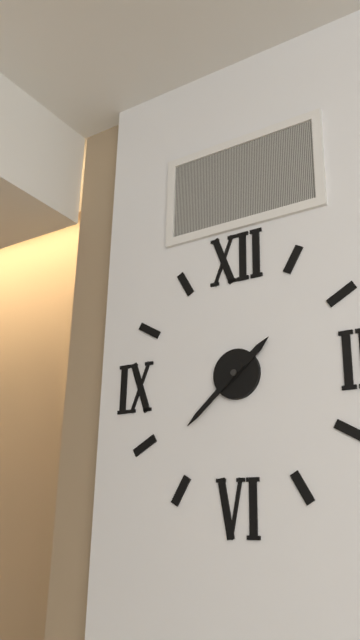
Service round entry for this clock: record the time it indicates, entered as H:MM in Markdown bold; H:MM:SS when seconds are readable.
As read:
**1:38**
